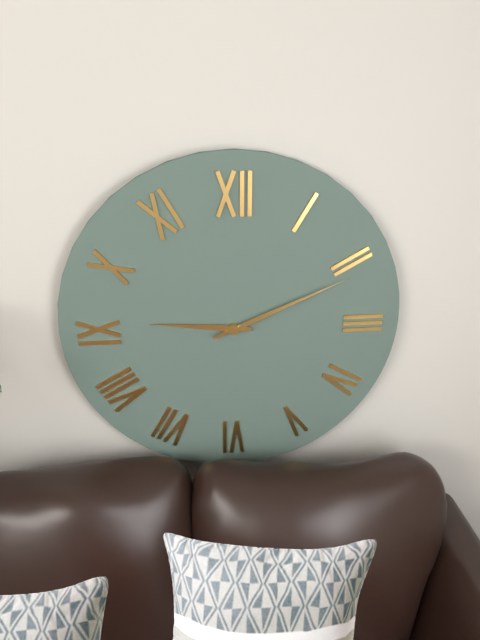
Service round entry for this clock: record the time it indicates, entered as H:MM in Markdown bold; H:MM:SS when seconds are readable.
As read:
**9:11**
